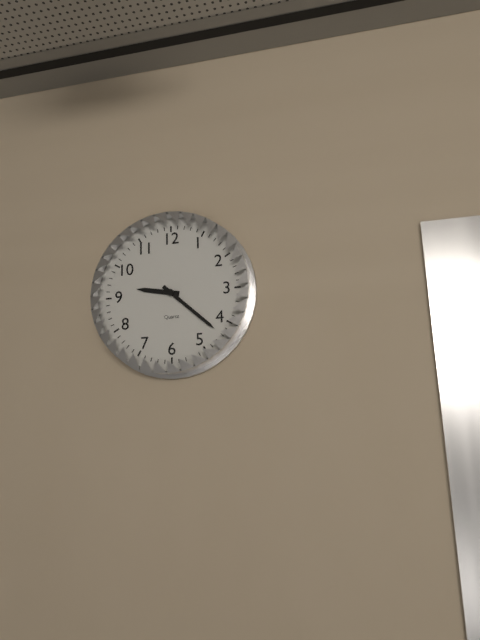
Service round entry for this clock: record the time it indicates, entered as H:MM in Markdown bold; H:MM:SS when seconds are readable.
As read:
**9:22**
